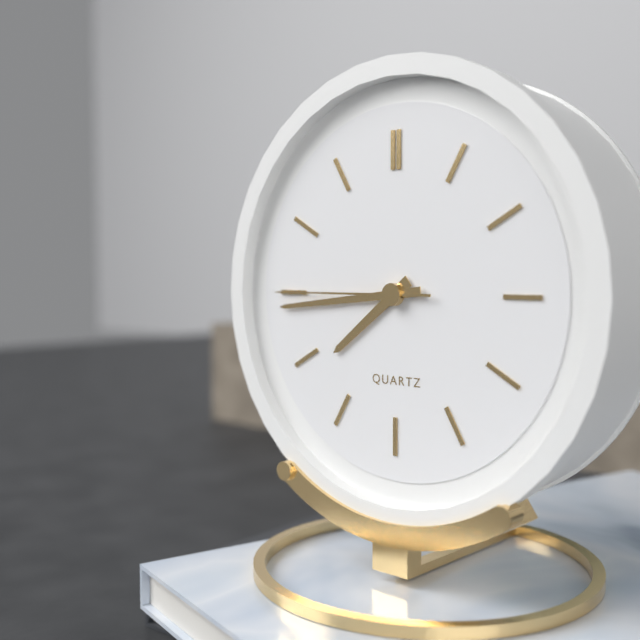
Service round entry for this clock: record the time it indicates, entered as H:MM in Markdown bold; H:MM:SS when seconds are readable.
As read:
**7:44:45**
